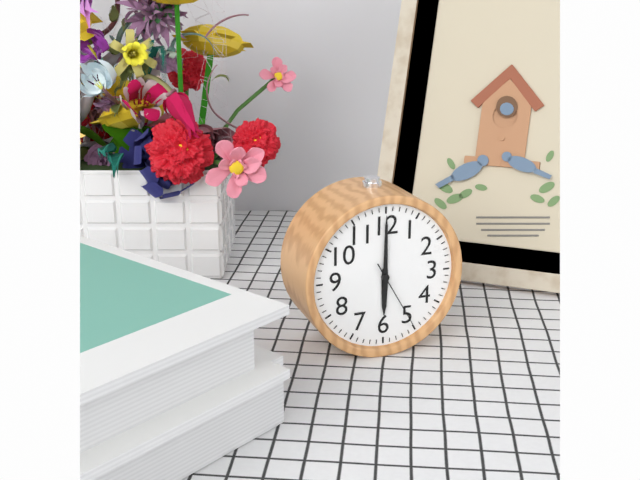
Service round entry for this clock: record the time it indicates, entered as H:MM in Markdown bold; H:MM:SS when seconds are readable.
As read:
**6:00:25**
